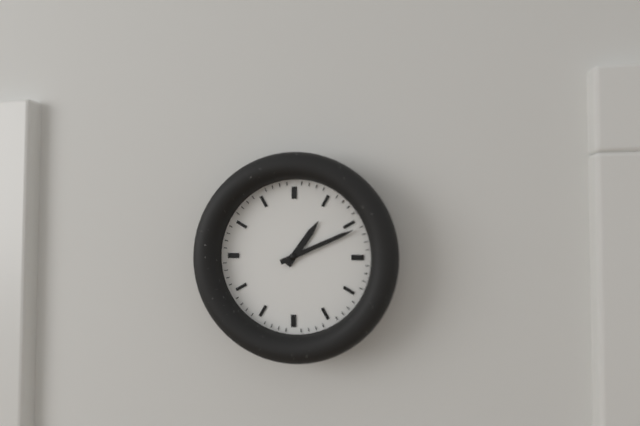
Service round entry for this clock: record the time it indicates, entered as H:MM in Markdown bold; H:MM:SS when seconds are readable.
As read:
**1:11**
